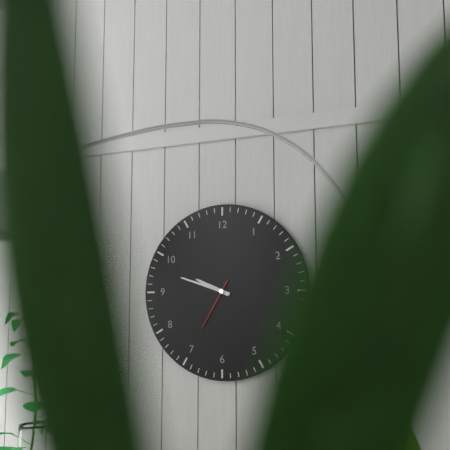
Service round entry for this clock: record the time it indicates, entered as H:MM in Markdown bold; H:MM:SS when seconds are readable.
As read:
**9:48:35**
